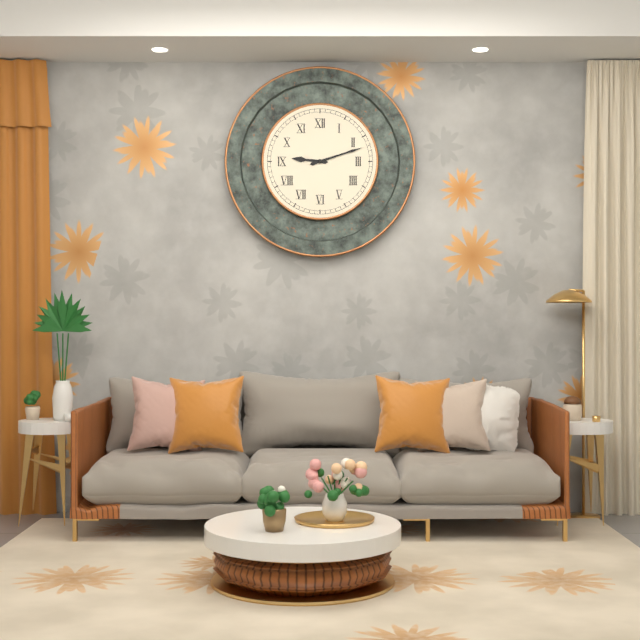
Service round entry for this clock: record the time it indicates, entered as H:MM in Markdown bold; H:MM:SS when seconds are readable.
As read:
**9:12**
